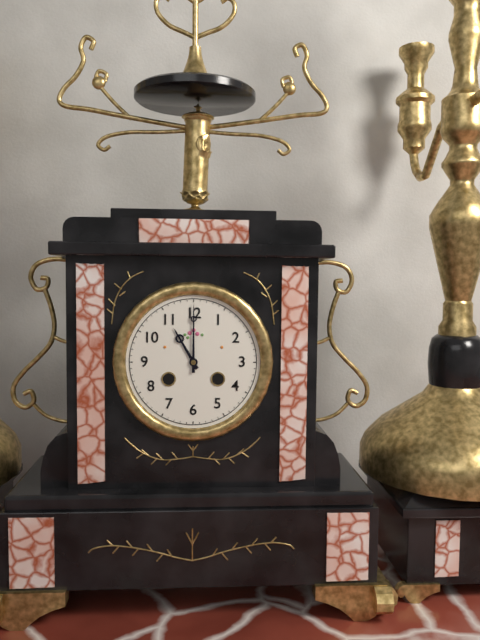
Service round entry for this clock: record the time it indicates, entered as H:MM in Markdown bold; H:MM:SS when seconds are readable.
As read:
**11:00**
